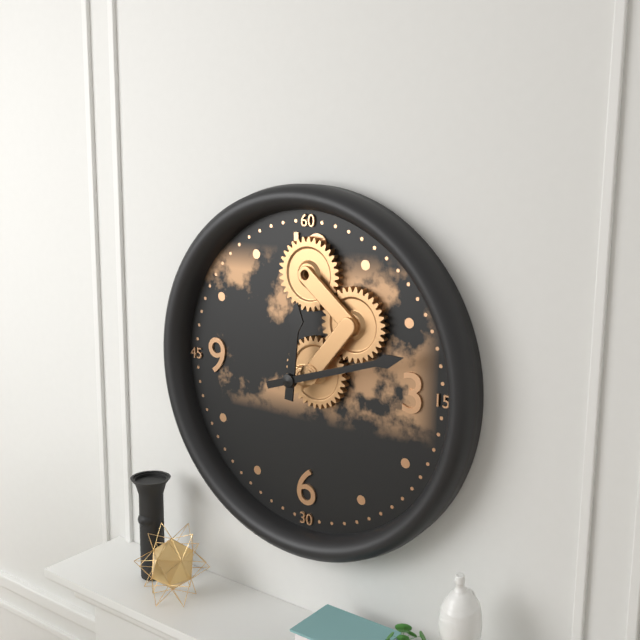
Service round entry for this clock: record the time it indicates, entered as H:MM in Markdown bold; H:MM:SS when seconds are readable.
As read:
**12:12**
